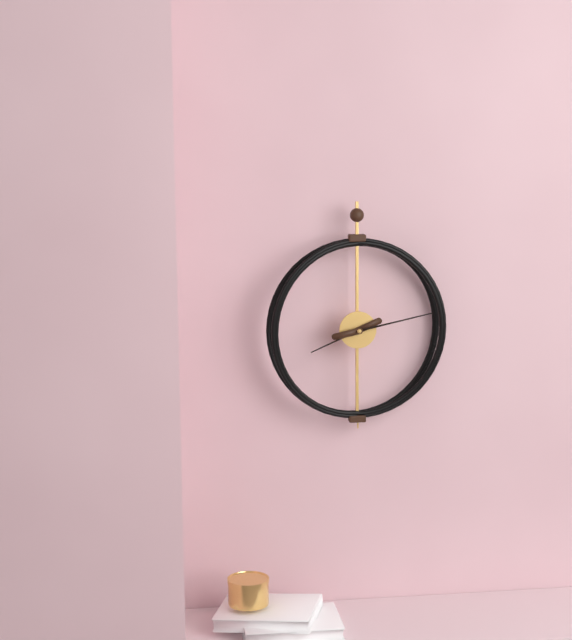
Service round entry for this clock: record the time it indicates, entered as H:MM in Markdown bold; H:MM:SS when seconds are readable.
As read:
**8:13**
